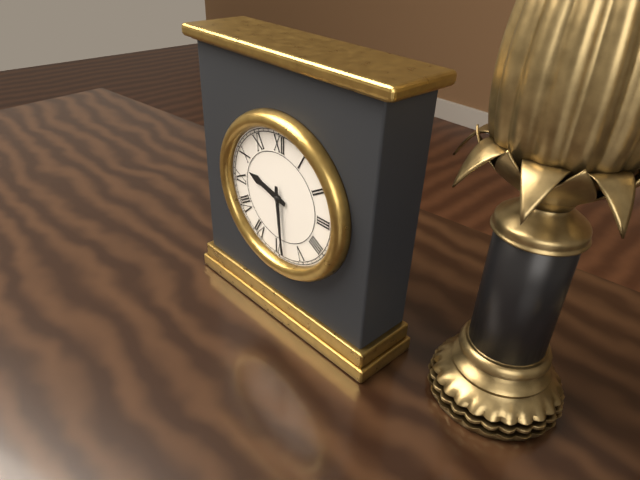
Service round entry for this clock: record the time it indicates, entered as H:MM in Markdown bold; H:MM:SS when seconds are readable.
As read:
**9:29**
